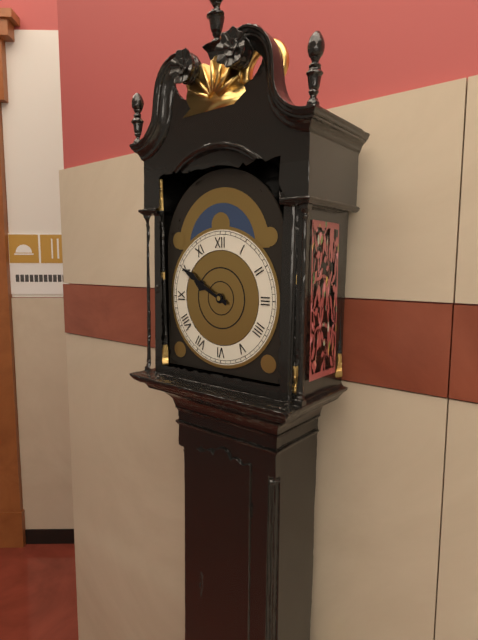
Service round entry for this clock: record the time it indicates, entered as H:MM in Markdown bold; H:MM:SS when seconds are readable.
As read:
**9:50**
